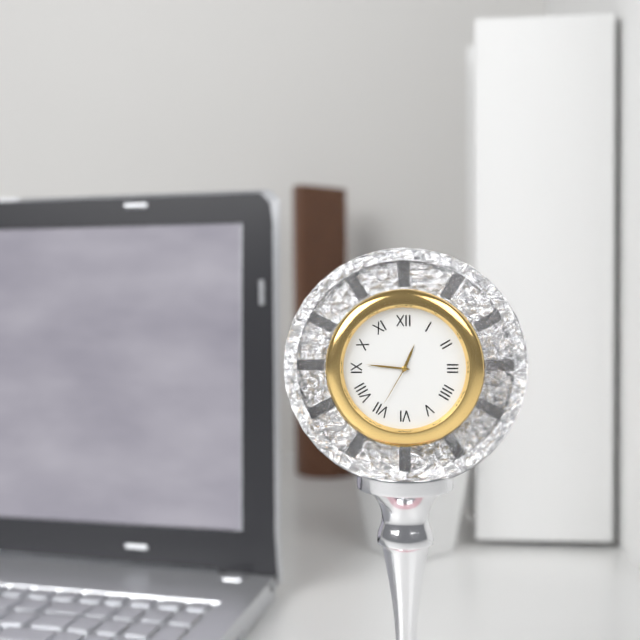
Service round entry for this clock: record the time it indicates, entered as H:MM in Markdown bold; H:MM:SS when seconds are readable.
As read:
**12:46:35**
